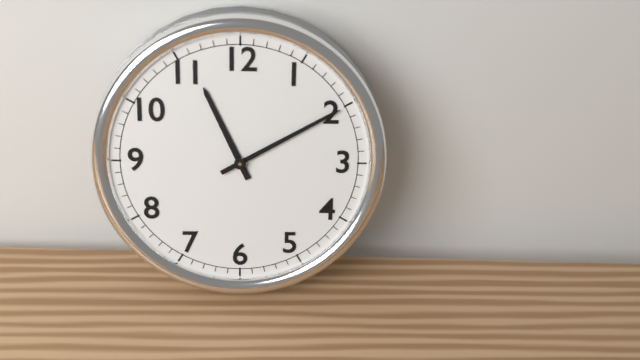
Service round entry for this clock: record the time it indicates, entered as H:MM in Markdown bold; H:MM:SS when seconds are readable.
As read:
**11:10**
